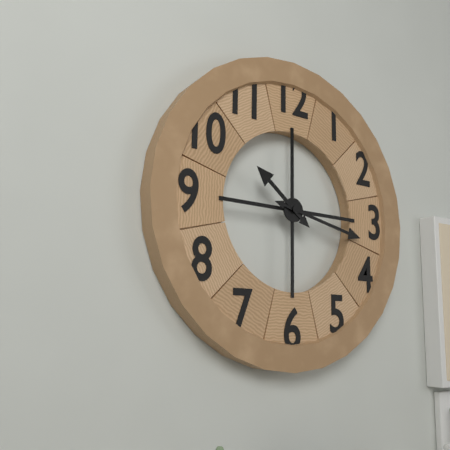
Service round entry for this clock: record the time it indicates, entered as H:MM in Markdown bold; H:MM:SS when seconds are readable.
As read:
**10:17**
